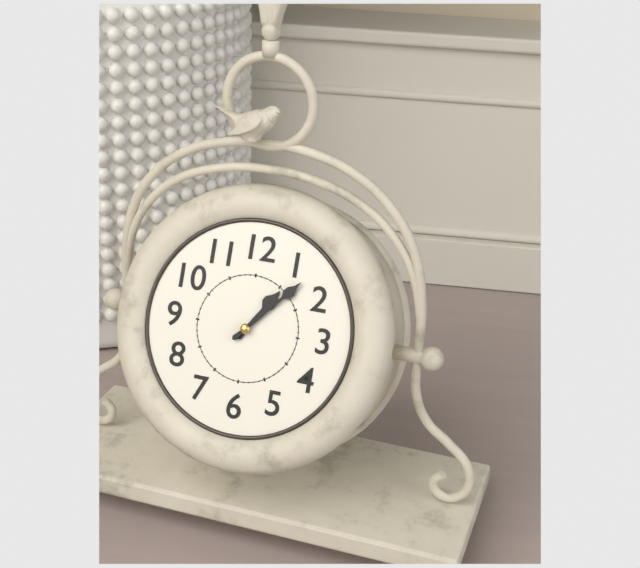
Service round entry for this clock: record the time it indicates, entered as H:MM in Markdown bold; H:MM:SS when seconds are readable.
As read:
**1:07**
